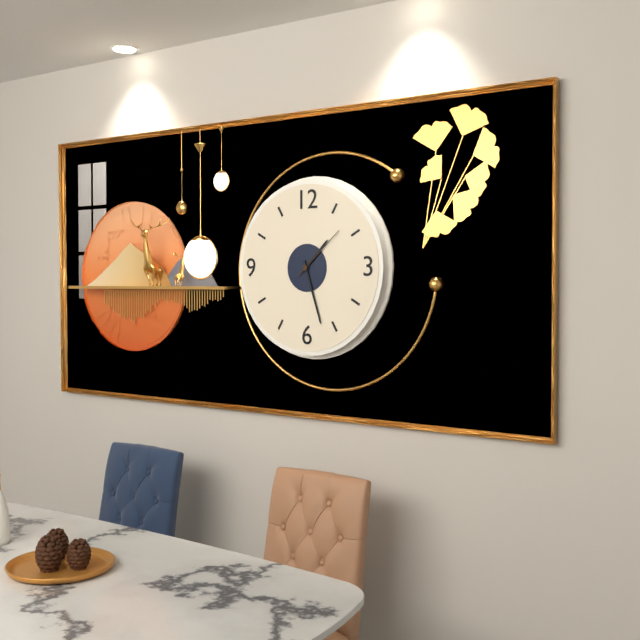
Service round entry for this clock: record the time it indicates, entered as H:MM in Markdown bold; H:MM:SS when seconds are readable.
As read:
**1:27:08**
